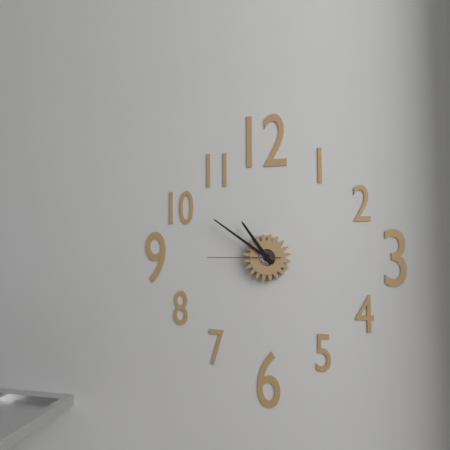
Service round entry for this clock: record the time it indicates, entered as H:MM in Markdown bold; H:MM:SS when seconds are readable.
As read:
**10:51:45**
